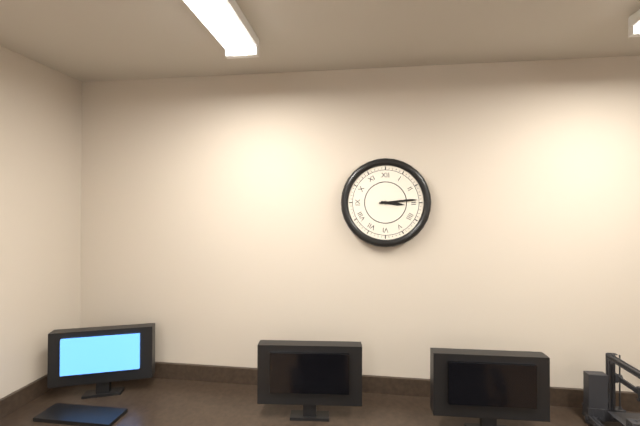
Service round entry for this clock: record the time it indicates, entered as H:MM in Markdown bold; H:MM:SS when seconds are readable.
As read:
**3:14**
